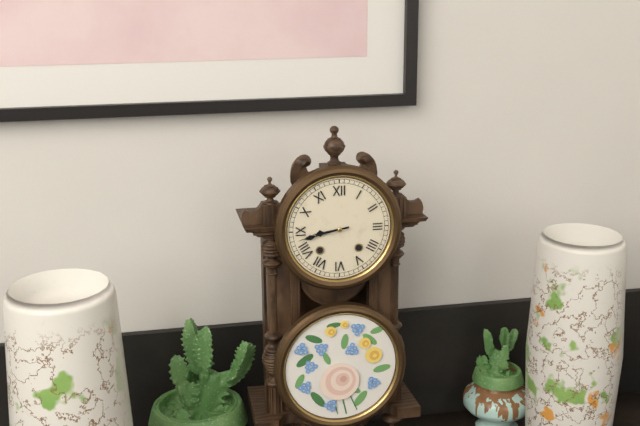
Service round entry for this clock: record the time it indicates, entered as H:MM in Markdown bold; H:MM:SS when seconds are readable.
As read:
**8:43**
